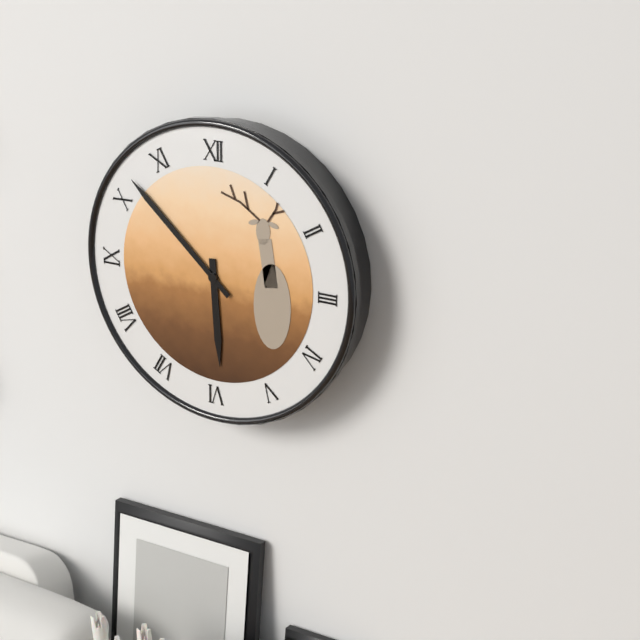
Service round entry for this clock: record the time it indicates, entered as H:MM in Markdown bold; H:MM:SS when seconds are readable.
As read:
**5:52**
